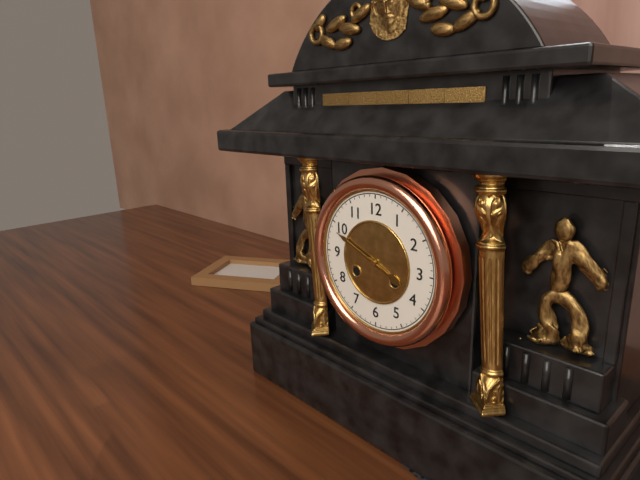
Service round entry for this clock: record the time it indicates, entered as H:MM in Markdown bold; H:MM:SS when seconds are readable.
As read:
**3:49**
